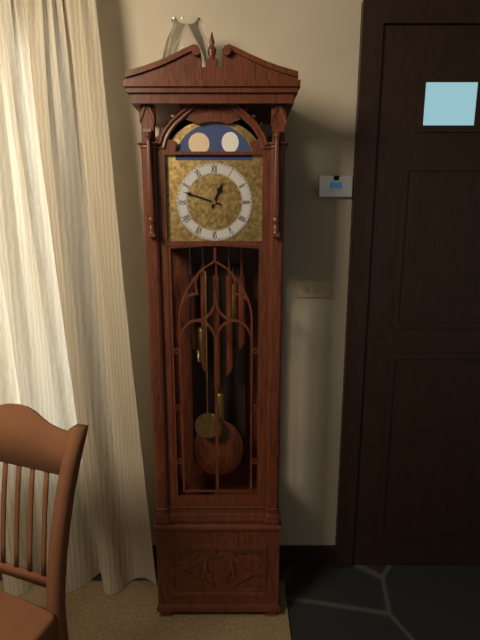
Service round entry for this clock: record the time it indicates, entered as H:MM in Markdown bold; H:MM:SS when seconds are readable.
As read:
**12:48**
